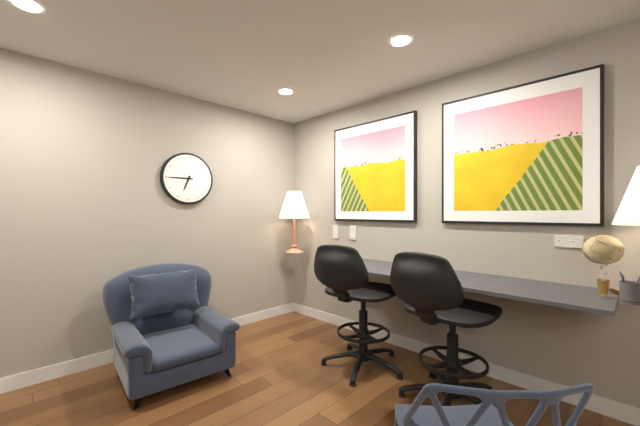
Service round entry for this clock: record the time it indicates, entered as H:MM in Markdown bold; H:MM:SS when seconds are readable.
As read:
**6:45**
